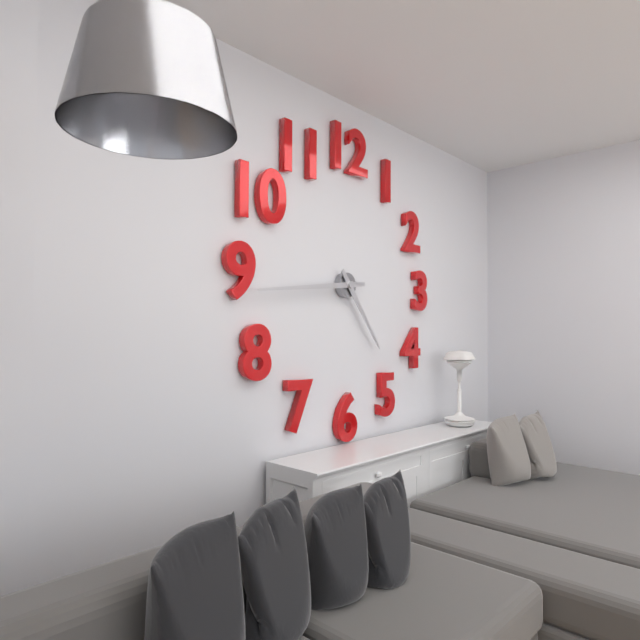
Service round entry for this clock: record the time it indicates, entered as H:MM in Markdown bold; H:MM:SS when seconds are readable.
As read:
**4:44**
